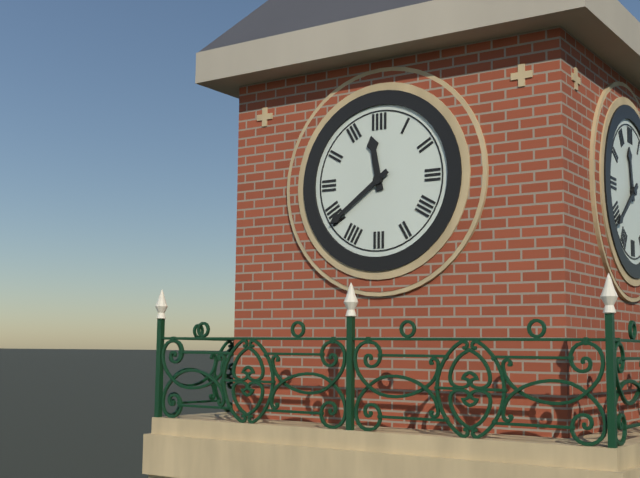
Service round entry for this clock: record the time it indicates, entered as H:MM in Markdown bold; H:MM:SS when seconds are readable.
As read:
**11:39**
